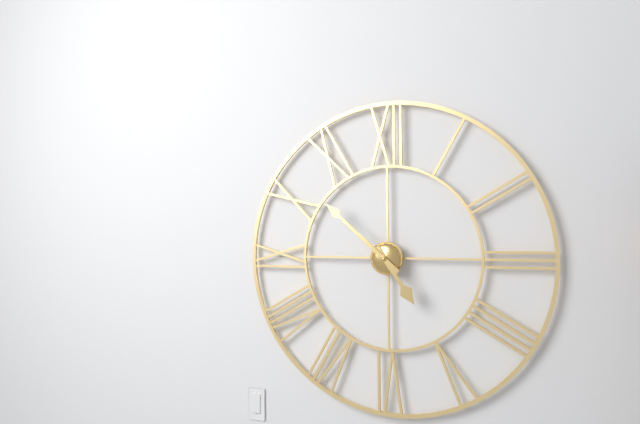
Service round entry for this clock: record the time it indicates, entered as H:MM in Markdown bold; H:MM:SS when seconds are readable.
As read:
**4:52**
